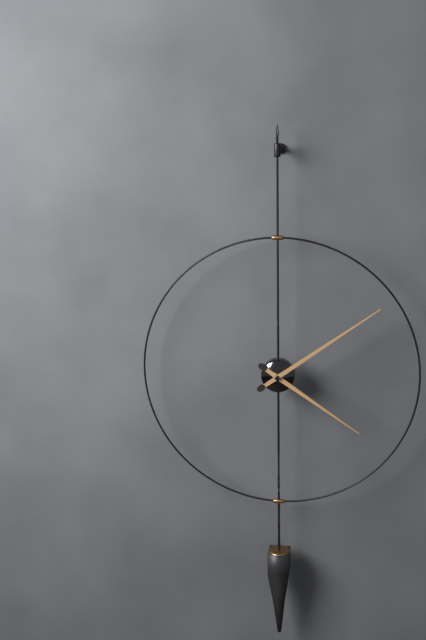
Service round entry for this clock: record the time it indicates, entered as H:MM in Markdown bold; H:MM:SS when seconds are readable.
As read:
**4:09**
